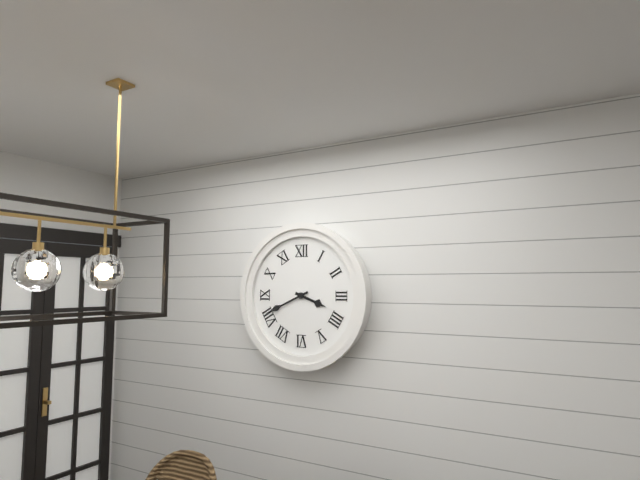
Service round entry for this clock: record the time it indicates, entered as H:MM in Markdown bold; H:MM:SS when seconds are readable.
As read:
**3:41**
